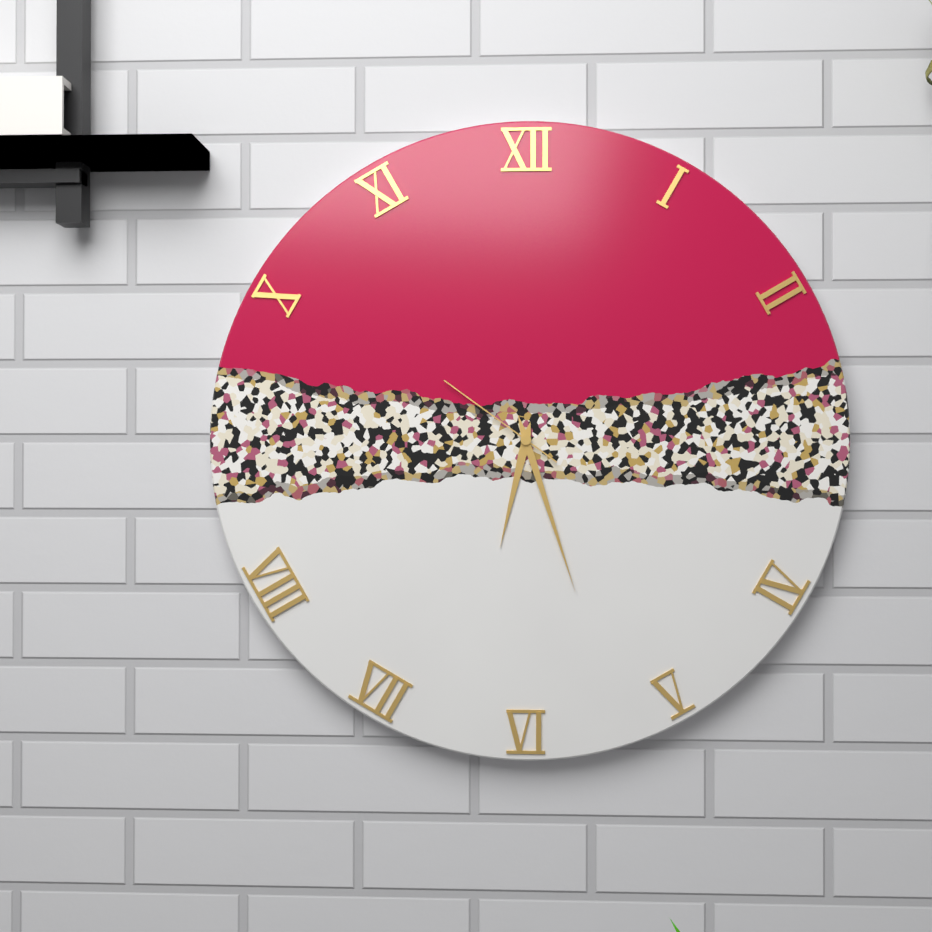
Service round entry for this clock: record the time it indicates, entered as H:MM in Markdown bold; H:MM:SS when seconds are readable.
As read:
**6:27:51**
